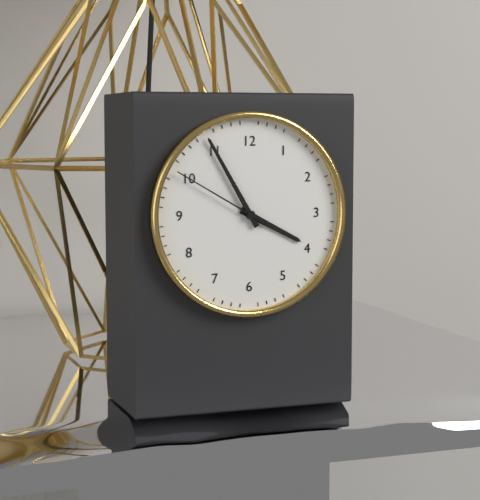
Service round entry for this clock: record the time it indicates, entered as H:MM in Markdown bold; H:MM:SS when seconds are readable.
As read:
**3:55:50**
